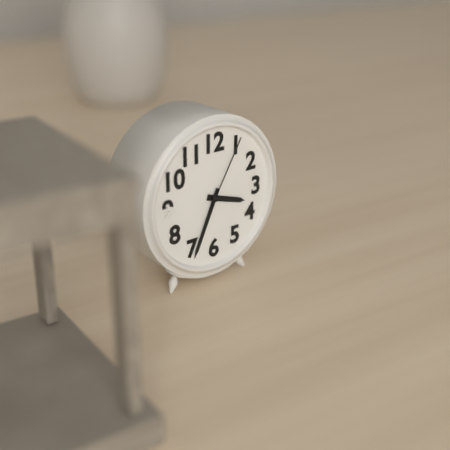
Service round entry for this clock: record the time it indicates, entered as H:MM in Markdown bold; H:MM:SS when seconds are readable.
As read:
**3:34:05**
